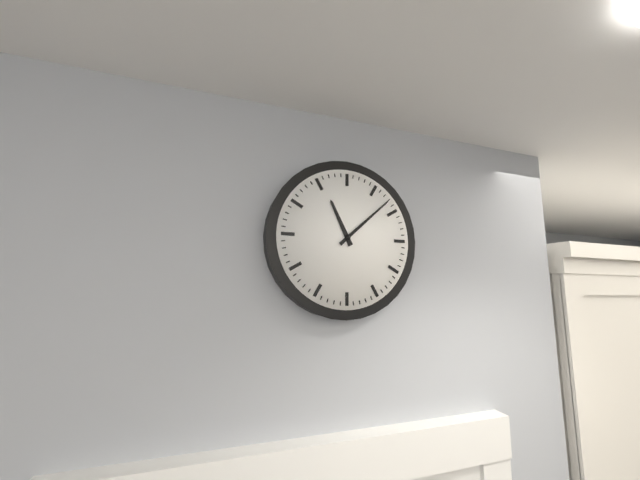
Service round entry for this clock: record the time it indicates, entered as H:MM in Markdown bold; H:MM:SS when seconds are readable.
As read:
**11:08**
